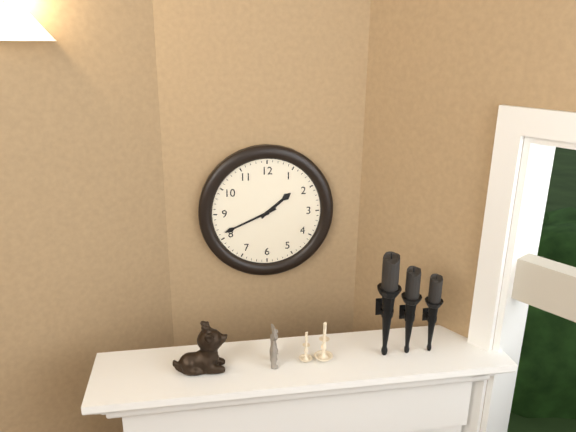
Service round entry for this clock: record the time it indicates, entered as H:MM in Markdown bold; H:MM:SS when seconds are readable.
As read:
**1:41**
